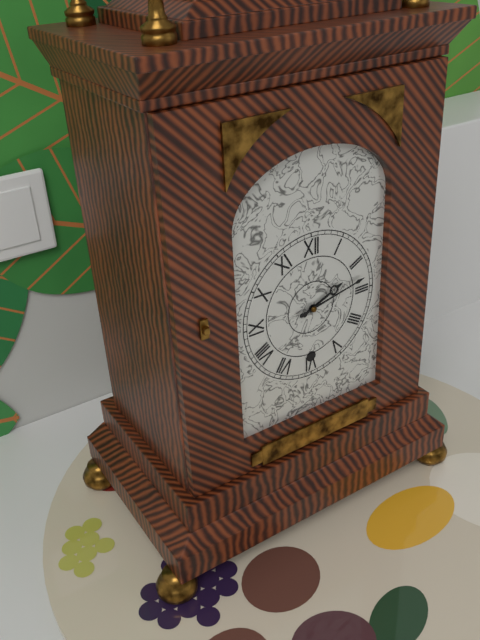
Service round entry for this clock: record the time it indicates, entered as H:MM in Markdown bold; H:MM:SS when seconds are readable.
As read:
**2:13**
